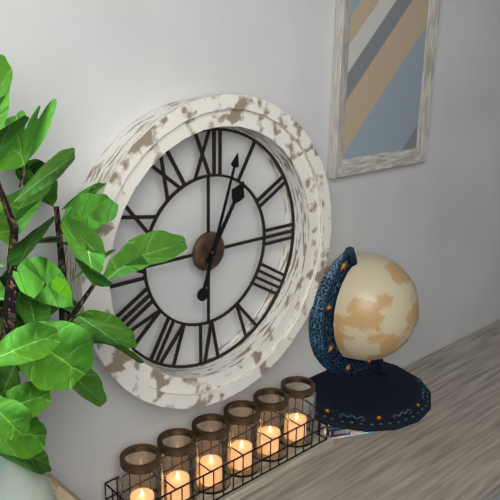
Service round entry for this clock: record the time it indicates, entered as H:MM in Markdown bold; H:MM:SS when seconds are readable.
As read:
**1:03**
